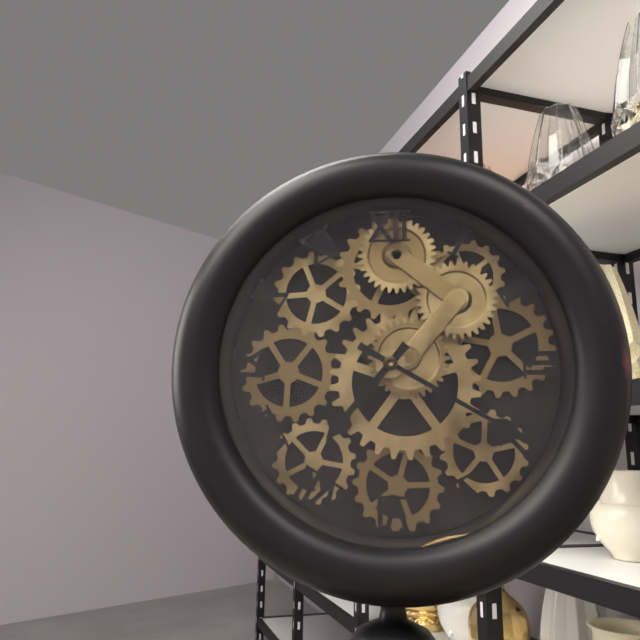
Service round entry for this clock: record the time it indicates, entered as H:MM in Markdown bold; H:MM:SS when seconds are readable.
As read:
**7:20**
